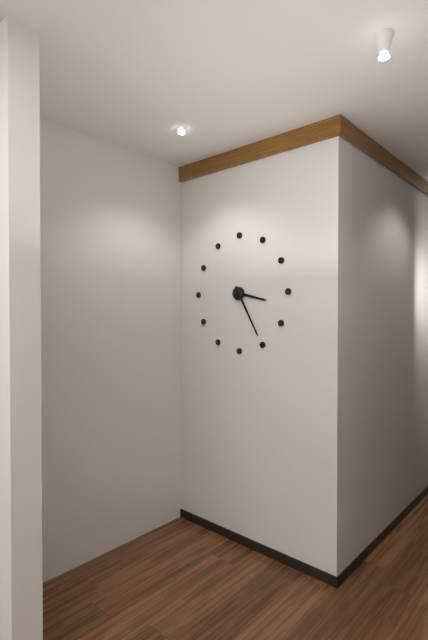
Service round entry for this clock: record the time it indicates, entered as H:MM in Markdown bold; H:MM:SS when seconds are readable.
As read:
**3:25**
